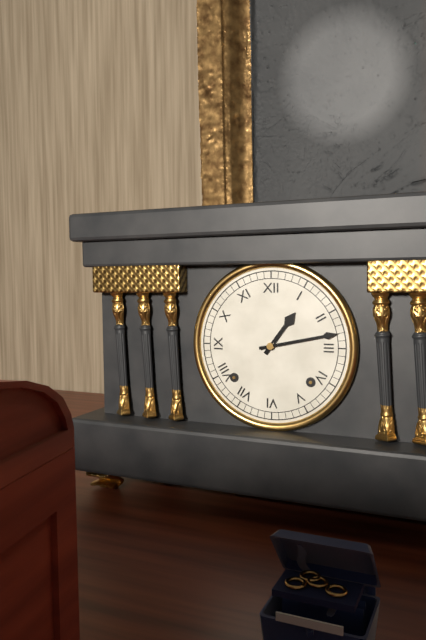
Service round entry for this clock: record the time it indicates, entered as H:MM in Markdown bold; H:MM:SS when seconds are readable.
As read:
**1:13**
